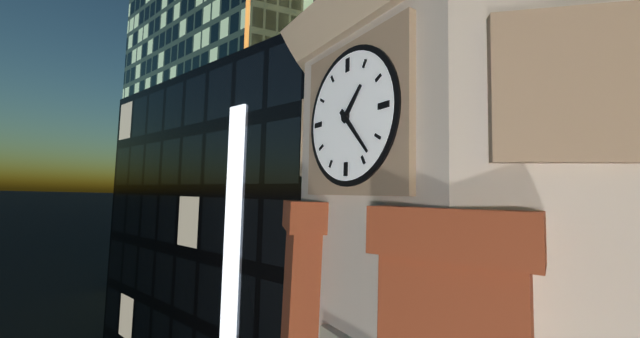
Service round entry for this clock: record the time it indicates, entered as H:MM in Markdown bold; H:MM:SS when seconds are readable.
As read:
**1:23**
